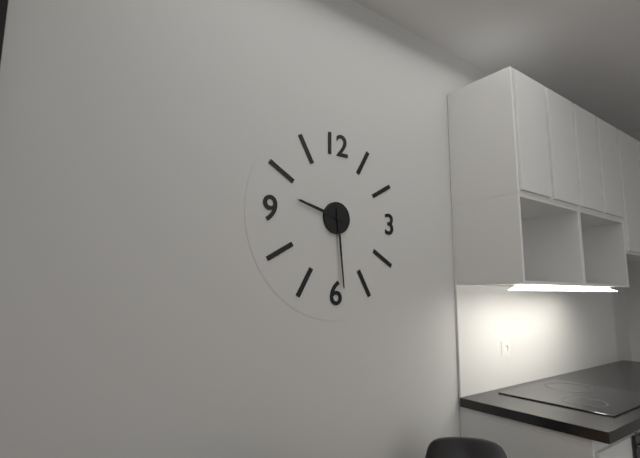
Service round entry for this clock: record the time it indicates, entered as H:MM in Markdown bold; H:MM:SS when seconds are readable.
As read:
**9:29**
